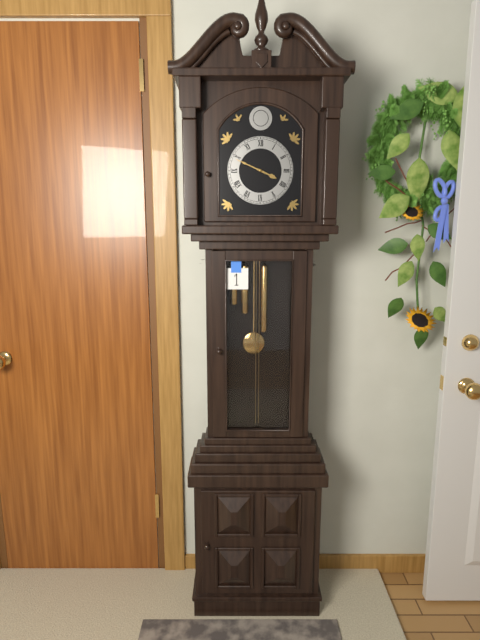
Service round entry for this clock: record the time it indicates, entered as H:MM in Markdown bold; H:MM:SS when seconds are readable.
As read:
**3:49**
